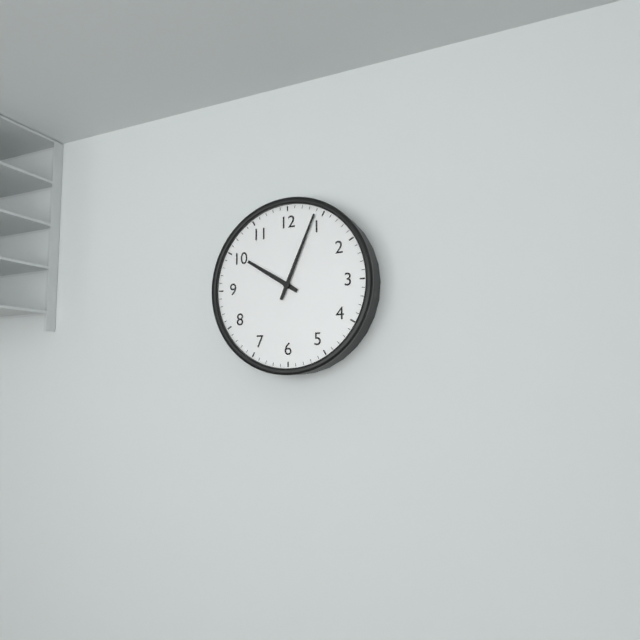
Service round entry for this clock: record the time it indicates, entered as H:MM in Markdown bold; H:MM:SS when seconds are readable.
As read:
**10:04**
